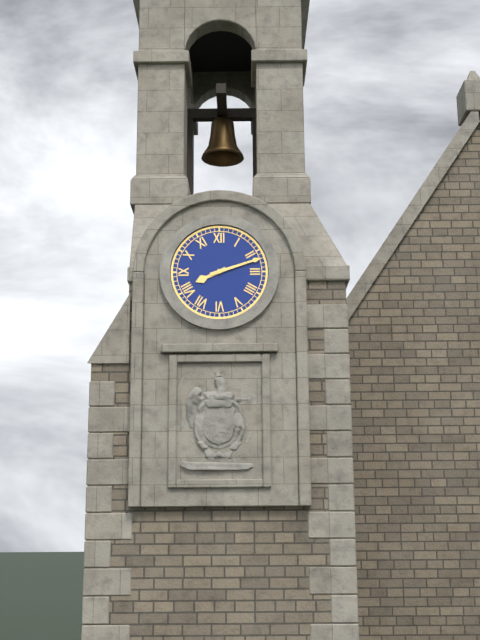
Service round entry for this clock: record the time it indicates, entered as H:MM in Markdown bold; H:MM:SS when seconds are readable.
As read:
**8:12**
